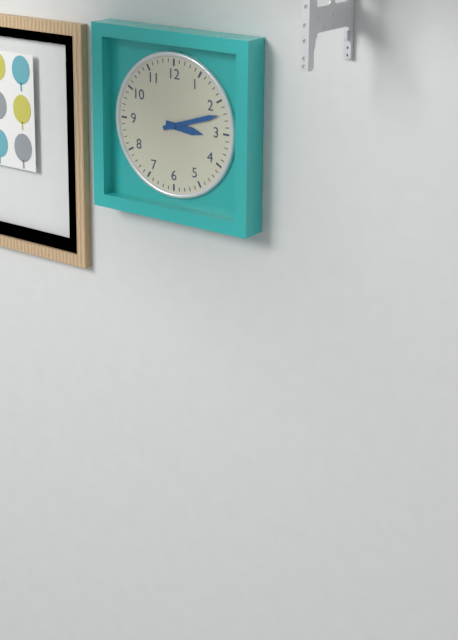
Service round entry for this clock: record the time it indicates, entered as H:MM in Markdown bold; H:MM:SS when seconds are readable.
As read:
**3:12**
